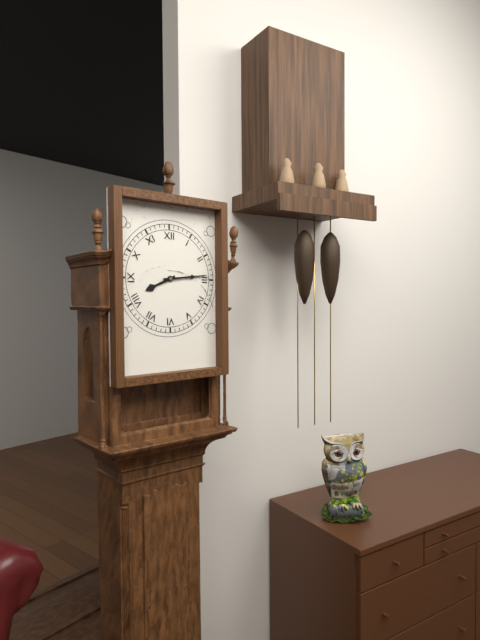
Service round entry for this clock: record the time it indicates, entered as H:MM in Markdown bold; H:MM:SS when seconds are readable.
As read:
**8:14**
